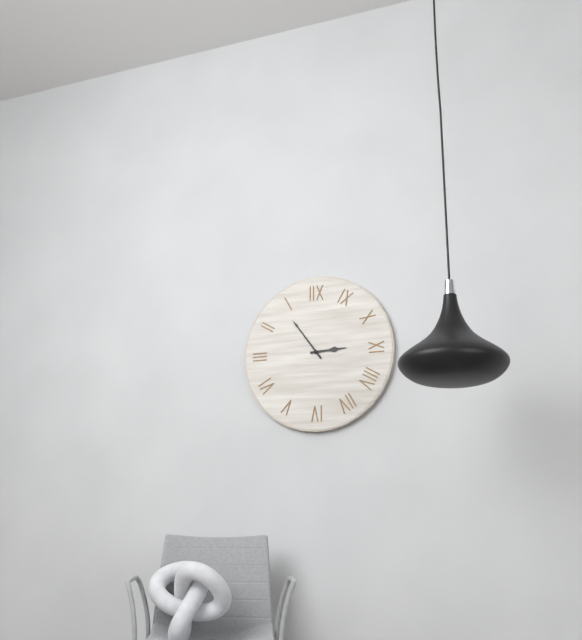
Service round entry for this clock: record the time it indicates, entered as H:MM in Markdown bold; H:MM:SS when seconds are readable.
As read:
**2:54**
